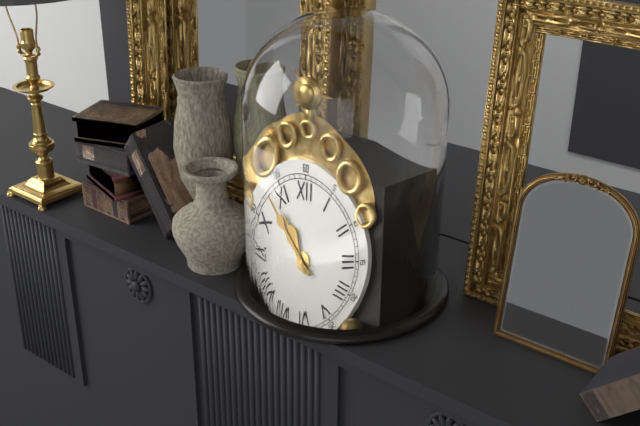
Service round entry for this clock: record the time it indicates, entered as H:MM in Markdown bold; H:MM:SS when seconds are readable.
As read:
**10:53**
